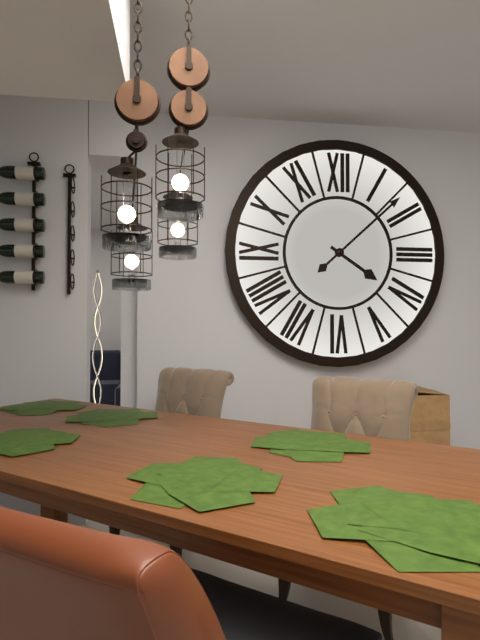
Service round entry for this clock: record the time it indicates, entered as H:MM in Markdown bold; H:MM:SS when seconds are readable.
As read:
**4:08**
